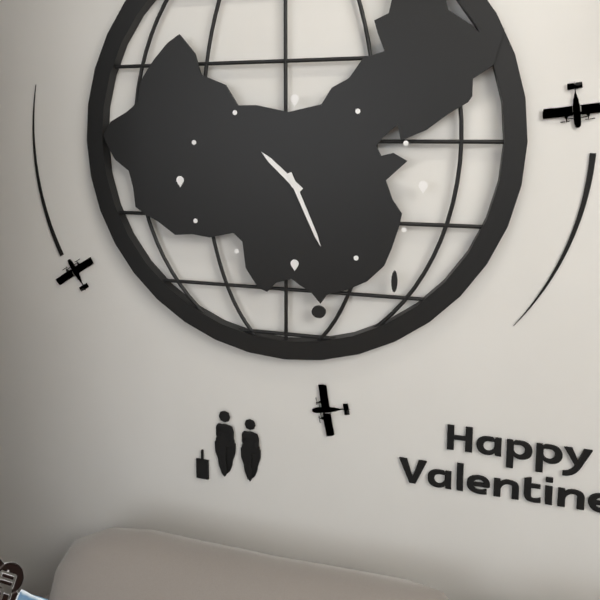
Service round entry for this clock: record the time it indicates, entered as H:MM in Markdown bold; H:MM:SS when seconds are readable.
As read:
**10:26**
